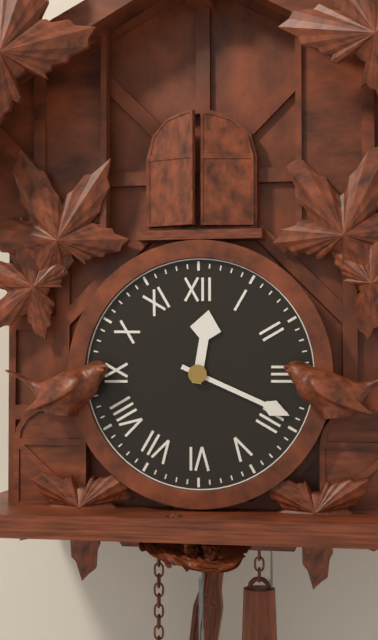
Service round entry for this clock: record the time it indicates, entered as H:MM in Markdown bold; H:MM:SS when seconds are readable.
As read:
**12:19**
